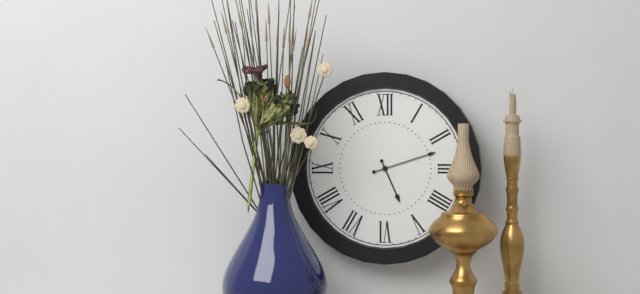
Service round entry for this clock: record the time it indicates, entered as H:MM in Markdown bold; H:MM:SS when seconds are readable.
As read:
**5:12**
